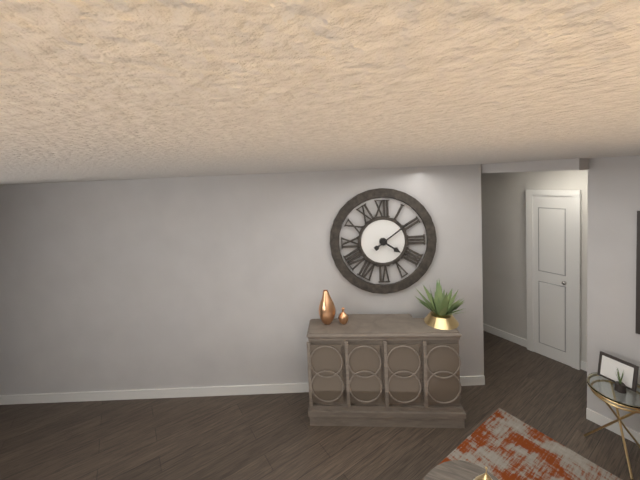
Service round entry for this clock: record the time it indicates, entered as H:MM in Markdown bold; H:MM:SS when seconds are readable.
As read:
**4:09**
